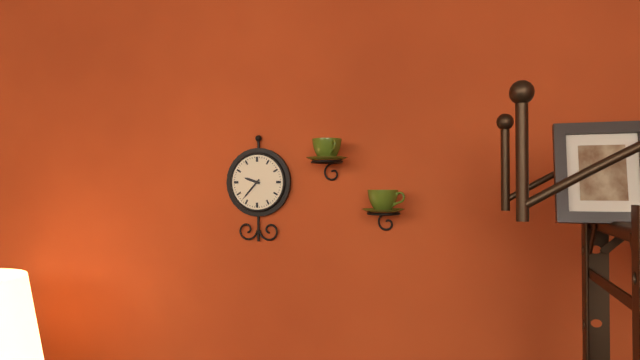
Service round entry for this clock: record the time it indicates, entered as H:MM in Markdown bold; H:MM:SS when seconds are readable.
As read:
**9:37**
